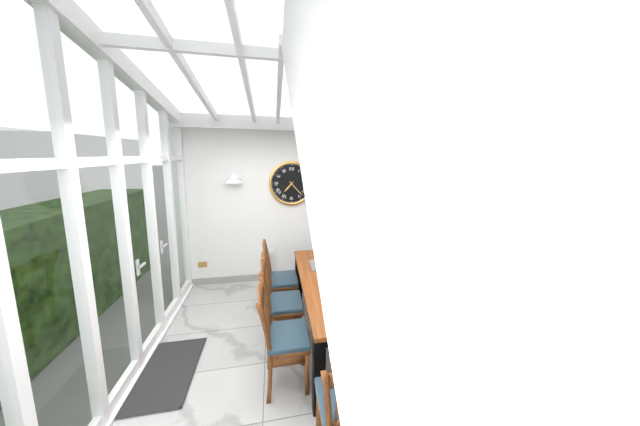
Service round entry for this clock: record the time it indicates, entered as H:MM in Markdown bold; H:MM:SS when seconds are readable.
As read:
**7:23**
